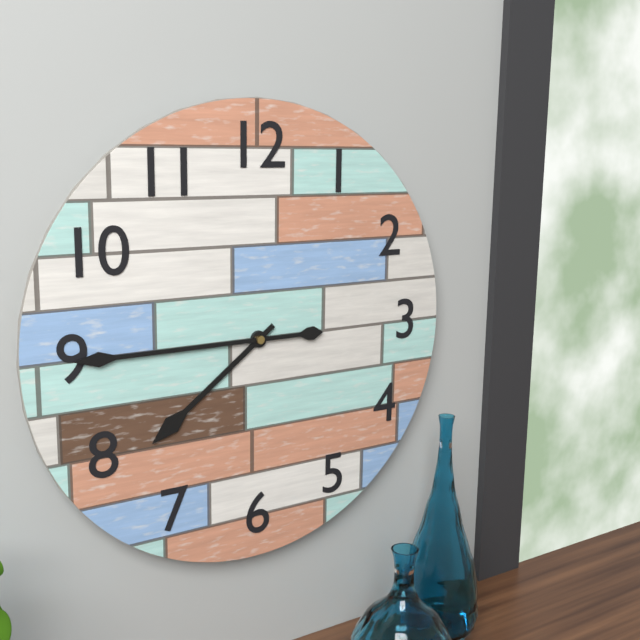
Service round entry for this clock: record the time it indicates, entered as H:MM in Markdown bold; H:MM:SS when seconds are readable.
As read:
**7:45**
